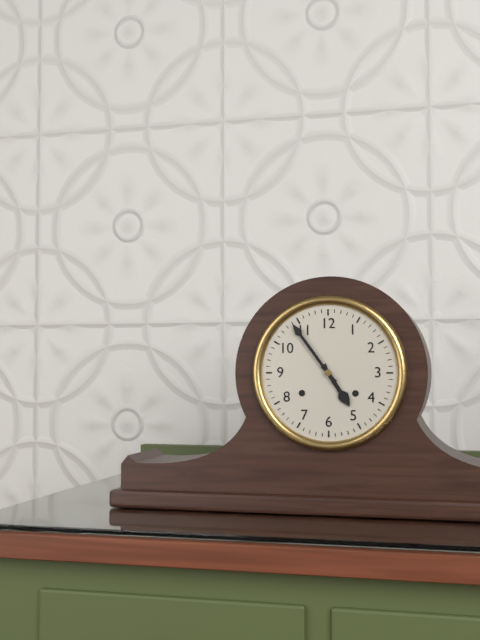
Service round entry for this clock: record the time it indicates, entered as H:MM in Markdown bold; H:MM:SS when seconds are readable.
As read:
**4:54**
